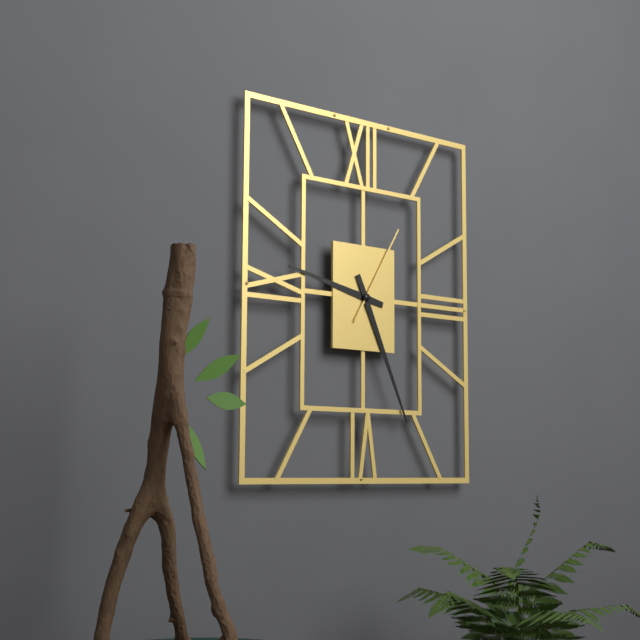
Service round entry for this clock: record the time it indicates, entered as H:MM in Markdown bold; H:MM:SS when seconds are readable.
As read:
**9:26:05**
